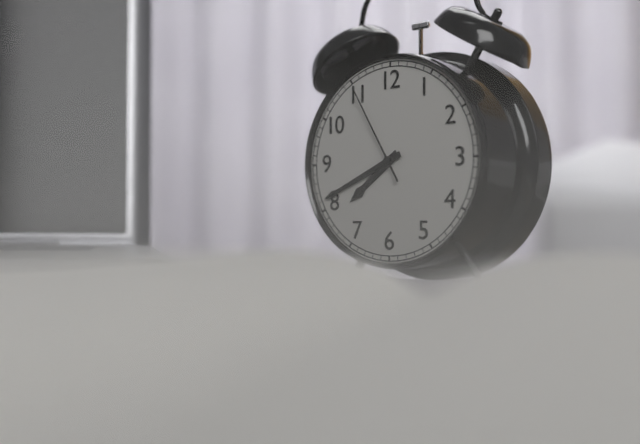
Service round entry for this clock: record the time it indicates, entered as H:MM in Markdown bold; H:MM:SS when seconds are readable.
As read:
**7:41:55**
